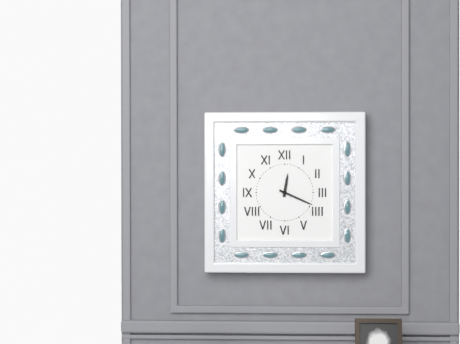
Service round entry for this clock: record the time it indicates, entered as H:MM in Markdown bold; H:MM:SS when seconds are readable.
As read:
**12:19**
